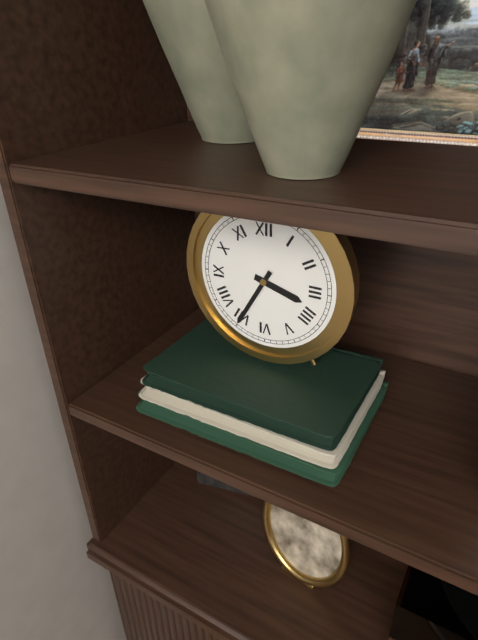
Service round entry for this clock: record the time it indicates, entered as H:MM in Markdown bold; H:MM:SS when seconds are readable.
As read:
**3:35**
